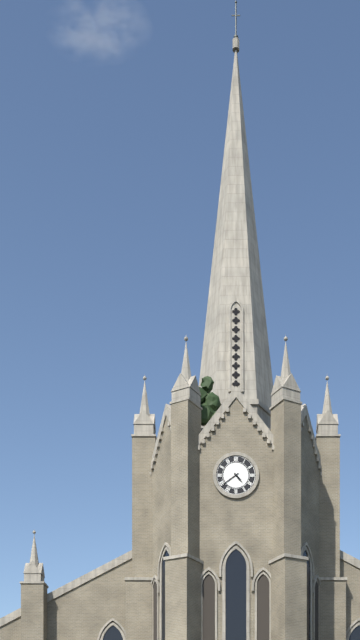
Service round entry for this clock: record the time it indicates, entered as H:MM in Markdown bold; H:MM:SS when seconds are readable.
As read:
**4:39**
